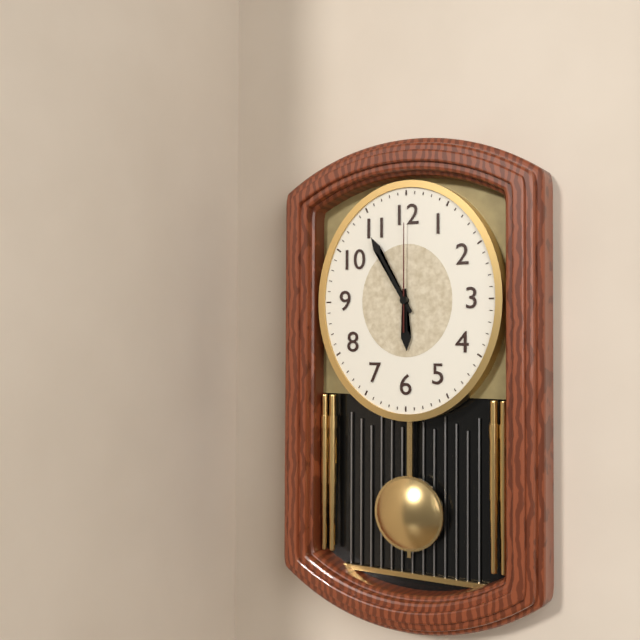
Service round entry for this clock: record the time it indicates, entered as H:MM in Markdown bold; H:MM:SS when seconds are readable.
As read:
**5:55:00**
